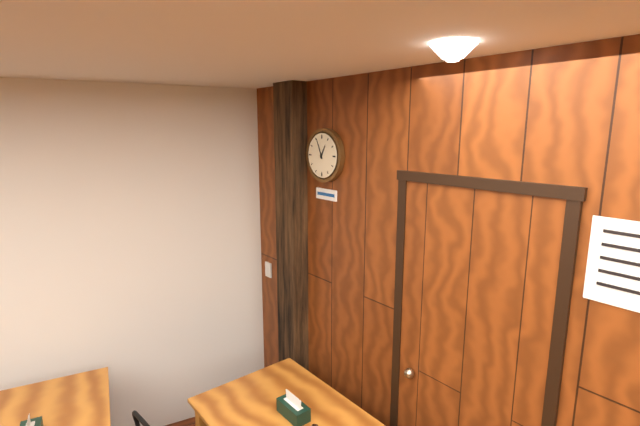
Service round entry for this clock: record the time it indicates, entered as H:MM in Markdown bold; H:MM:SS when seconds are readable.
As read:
**12:56**
